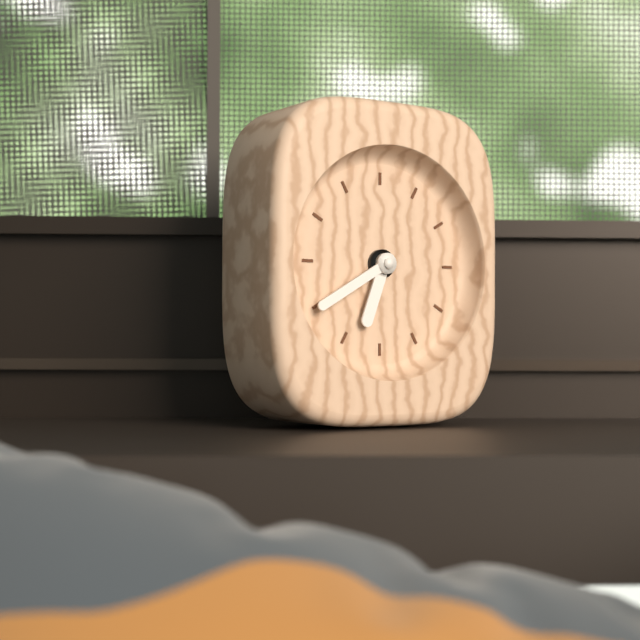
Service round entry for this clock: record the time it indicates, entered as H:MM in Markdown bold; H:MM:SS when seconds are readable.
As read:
**6:40**
